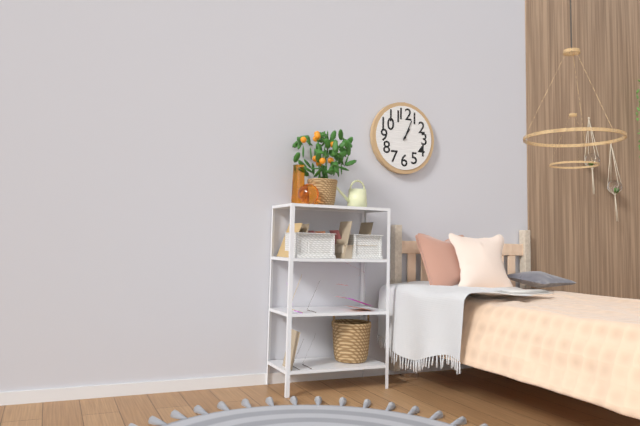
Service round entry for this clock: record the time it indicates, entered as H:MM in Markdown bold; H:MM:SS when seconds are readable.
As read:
**1:04**
